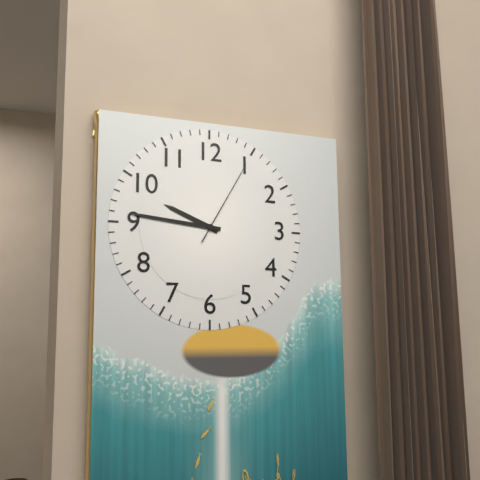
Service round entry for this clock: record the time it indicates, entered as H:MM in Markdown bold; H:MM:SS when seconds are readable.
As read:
**9:46:05**
